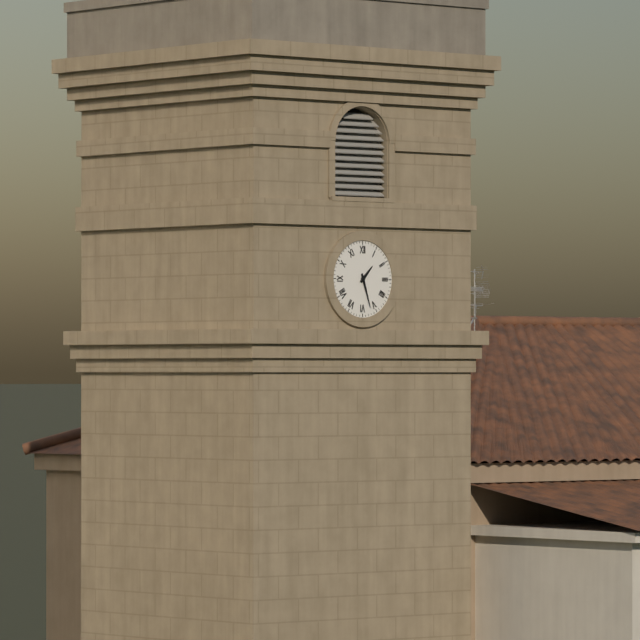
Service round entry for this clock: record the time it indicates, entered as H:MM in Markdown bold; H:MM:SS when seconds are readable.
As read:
**1:27**
